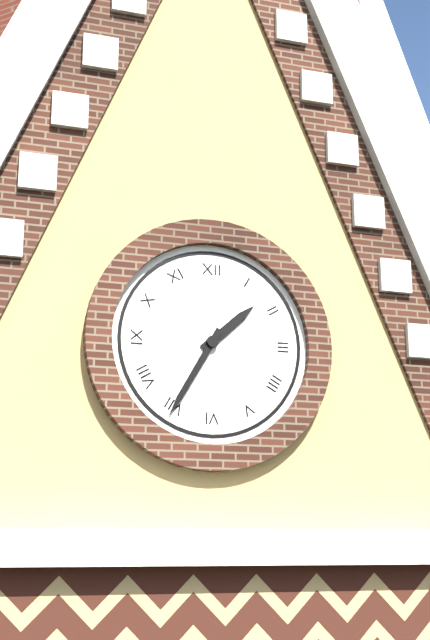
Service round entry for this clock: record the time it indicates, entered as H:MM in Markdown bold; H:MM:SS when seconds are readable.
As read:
**1:35**
